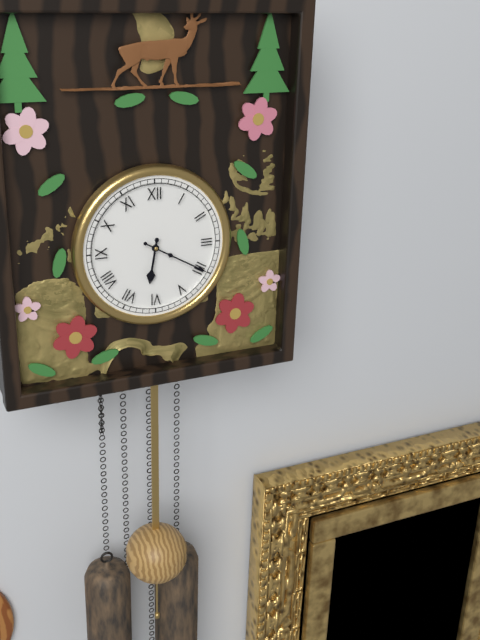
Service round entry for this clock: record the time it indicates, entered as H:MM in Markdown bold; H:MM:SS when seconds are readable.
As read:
**6:20**
